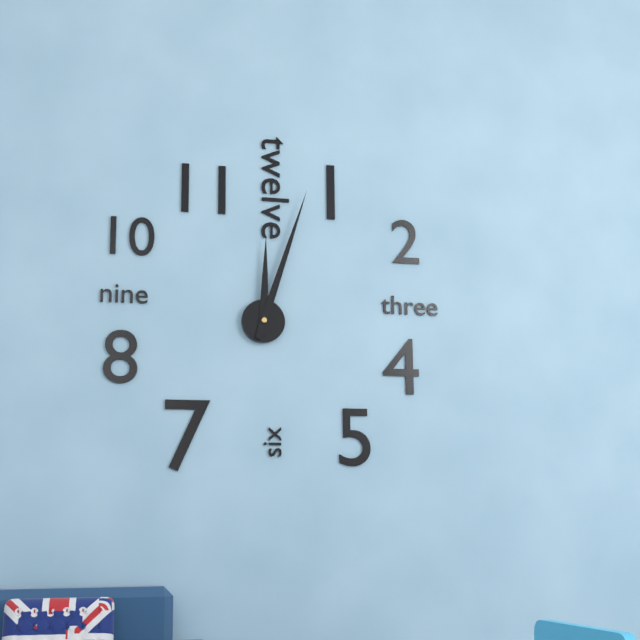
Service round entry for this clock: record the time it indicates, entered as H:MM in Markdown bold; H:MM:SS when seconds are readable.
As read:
**12:03**
